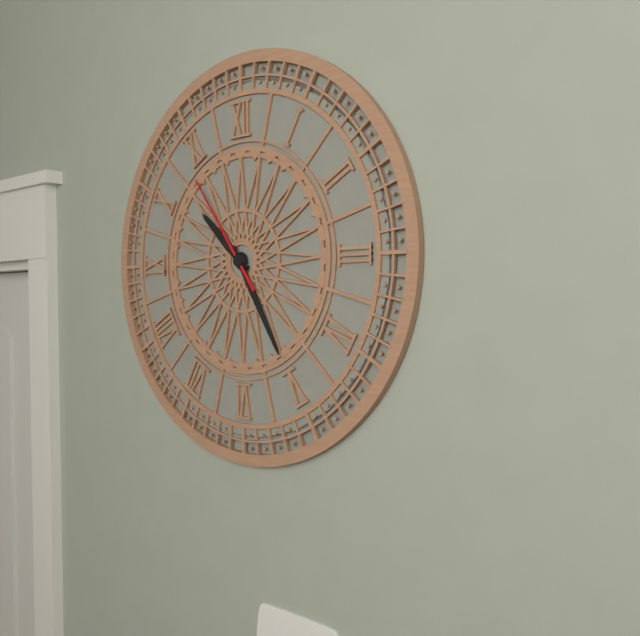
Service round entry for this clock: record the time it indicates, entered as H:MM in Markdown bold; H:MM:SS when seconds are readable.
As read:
**10:25:54**
